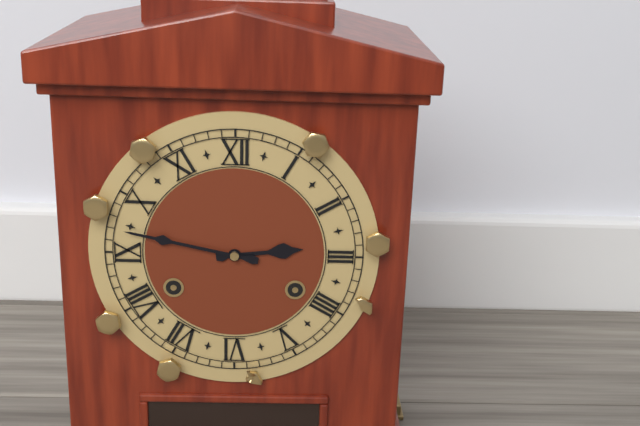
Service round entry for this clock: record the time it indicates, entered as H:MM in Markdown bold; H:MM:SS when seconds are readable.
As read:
**2:47**
